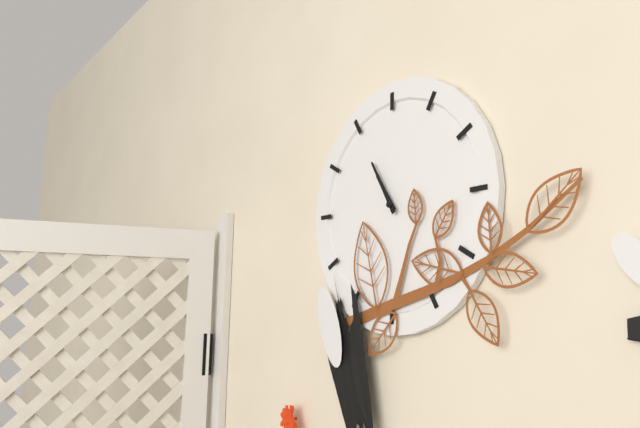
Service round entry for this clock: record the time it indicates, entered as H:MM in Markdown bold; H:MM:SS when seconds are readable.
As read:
**10:55**
